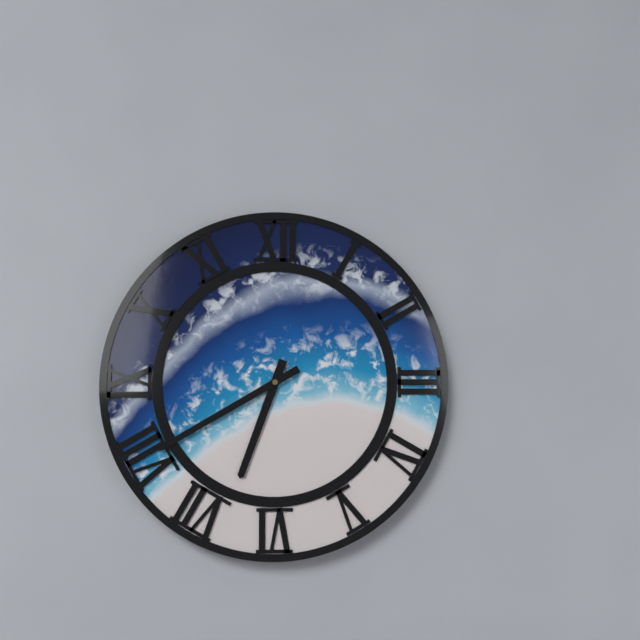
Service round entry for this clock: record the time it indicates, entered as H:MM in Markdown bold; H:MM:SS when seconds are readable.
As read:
**6:40**
